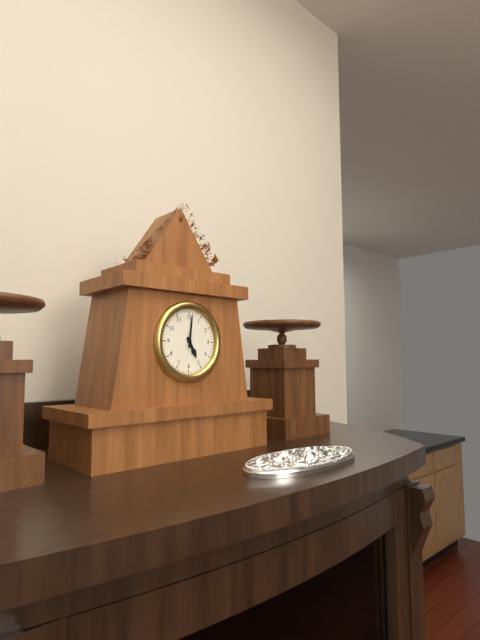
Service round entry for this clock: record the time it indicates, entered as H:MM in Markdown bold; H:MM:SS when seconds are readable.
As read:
**5:01**
